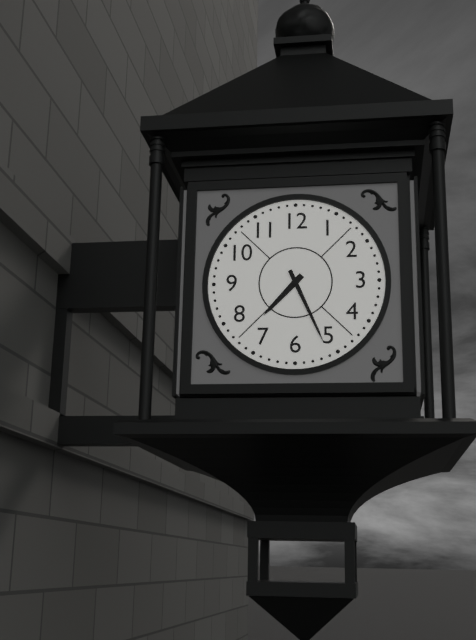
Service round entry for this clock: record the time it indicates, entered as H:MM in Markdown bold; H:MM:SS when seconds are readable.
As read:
**7:26**
